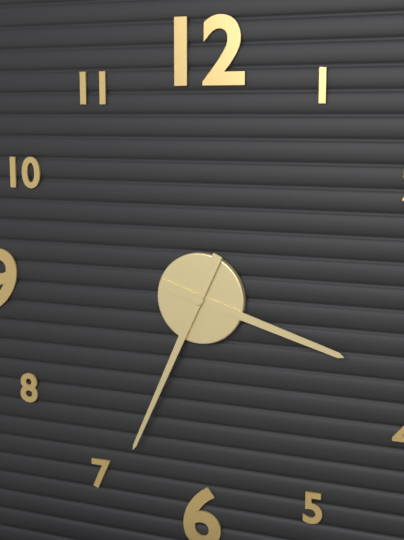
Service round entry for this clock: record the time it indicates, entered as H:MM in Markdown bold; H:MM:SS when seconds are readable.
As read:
**3:34**
